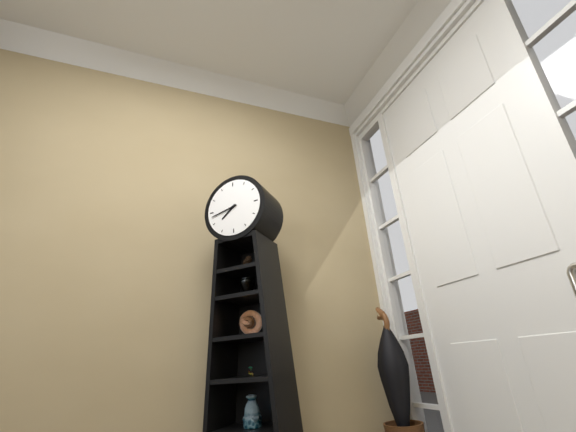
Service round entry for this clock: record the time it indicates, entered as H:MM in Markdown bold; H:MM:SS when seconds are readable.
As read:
**7:43**
